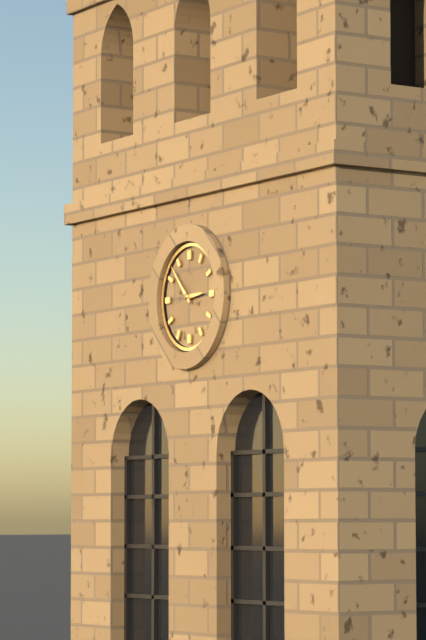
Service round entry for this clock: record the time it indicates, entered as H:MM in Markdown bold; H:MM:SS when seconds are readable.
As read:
**2:53**
